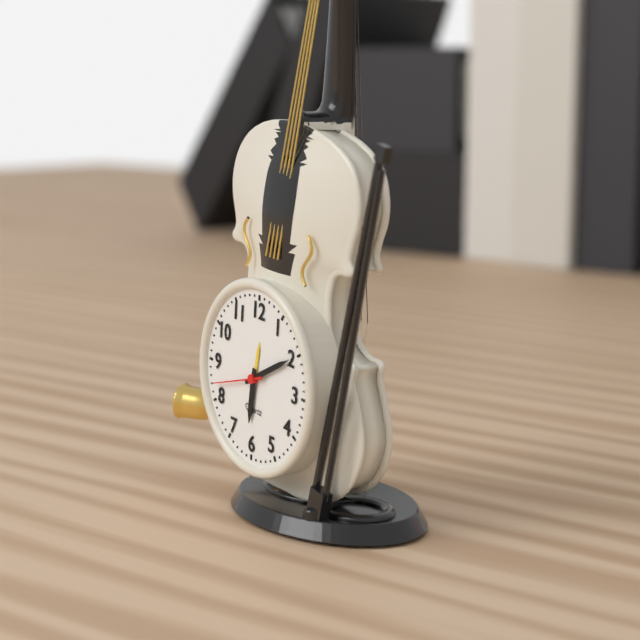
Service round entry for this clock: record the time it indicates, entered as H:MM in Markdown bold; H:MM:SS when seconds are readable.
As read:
**6:10:42**
